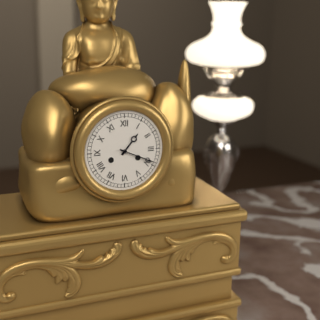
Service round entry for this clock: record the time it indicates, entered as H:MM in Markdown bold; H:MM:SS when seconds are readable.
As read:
**1:19**
